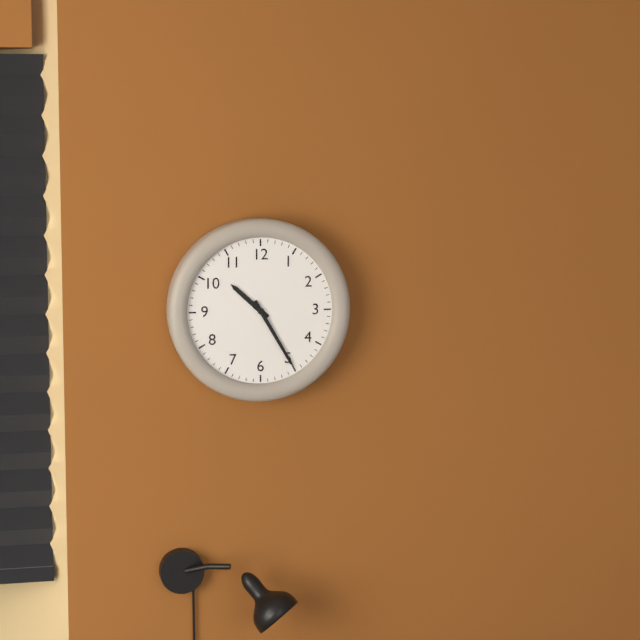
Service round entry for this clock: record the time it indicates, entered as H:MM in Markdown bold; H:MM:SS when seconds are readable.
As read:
**10:25**
